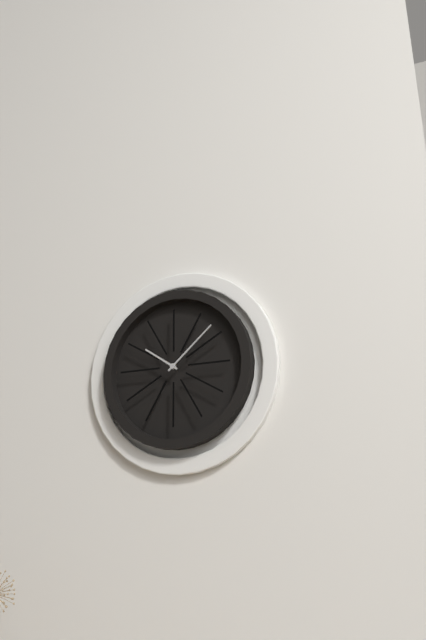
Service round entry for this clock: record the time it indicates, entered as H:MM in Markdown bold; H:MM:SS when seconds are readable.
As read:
**10:08**
